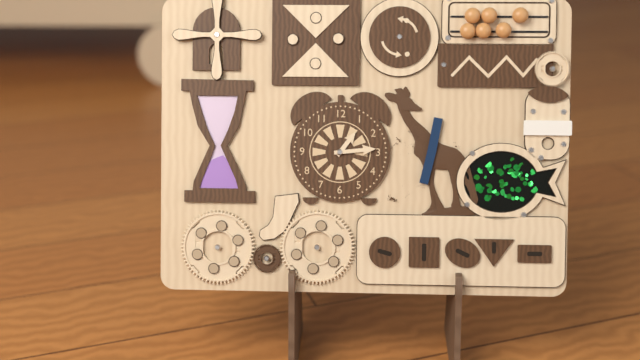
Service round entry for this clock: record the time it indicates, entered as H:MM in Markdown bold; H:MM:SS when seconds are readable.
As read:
**1:14**
